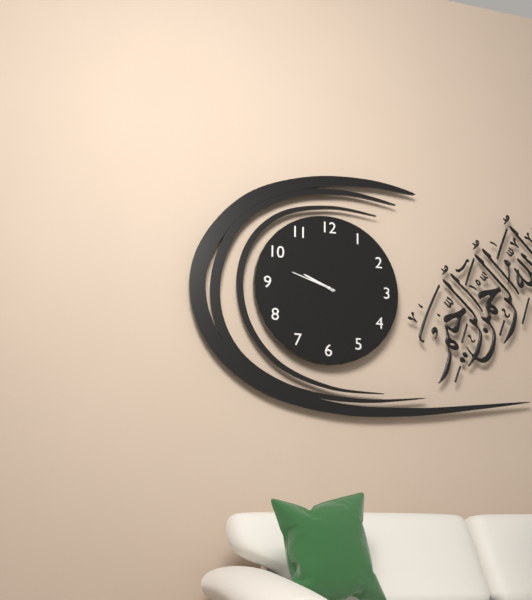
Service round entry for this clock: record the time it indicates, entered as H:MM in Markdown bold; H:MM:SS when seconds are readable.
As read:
**9:48**
